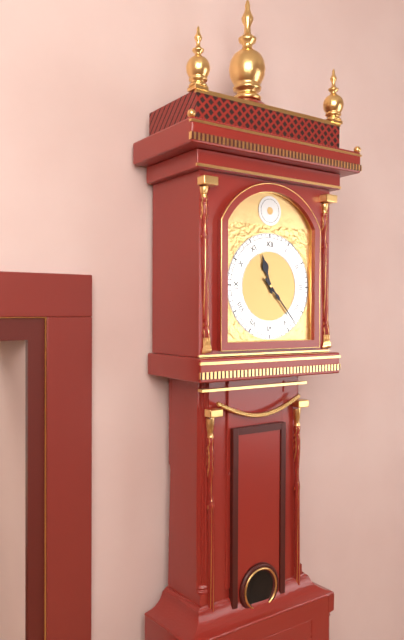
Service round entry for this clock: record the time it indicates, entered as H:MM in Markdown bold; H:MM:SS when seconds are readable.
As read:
**11:23**
